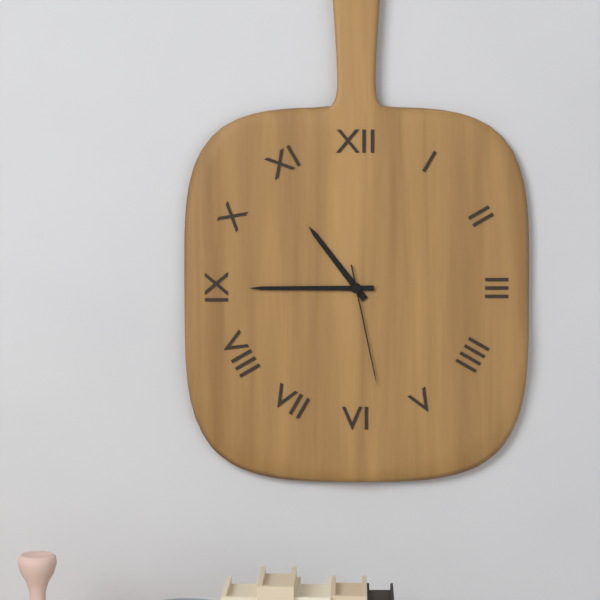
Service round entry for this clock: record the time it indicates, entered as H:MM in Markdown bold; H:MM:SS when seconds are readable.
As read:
**10:45:28**
